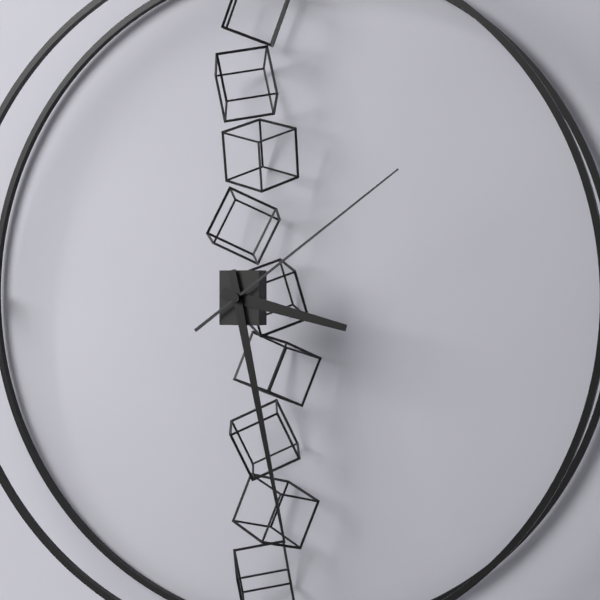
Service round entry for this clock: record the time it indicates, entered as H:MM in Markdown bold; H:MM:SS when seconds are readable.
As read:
**3:28:09**
